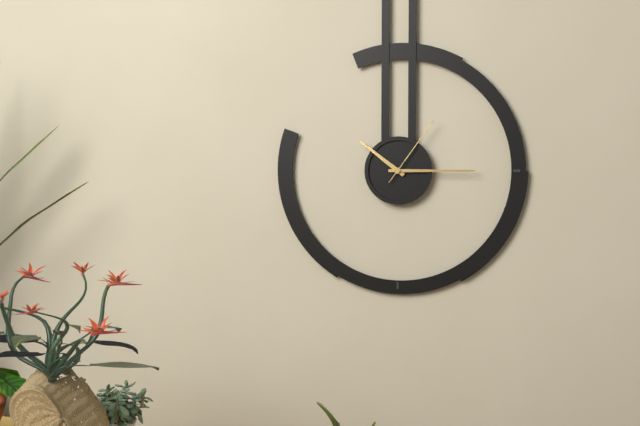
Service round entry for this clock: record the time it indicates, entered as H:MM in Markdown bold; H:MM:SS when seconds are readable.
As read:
**10:15:06**
